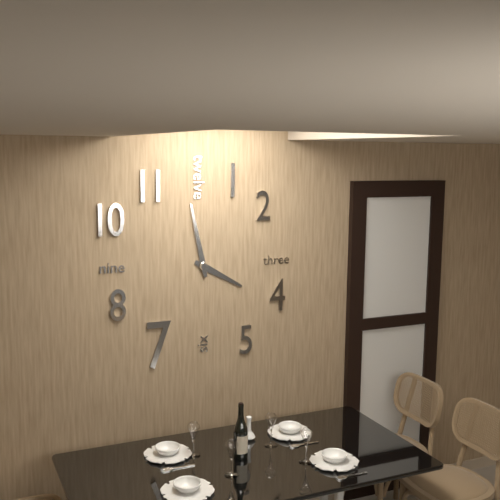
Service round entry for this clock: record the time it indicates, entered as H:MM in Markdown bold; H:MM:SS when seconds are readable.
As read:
**3:58**
